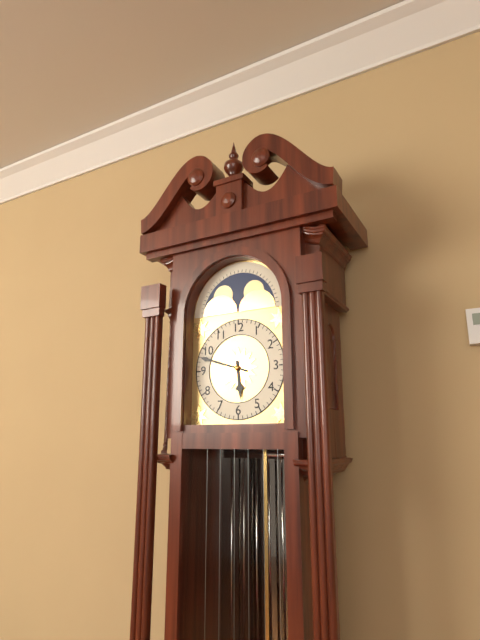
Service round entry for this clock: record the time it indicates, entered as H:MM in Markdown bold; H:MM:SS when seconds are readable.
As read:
**5:48**
